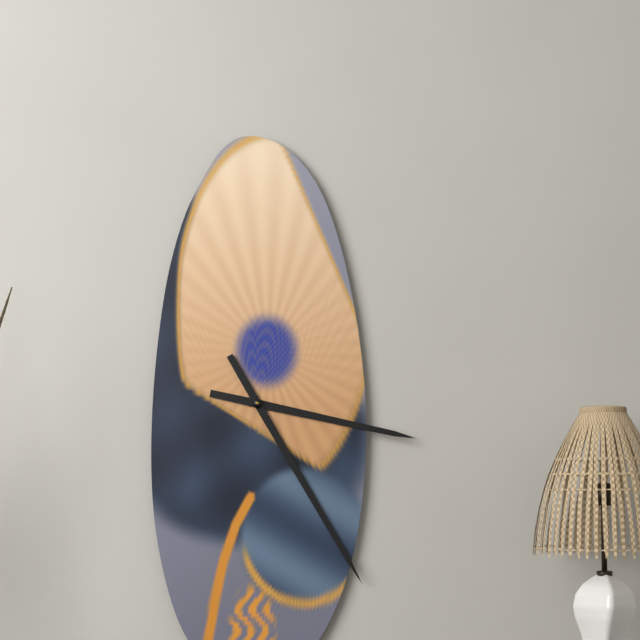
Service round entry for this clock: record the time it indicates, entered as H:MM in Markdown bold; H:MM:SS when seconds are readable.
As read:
**3:25**
